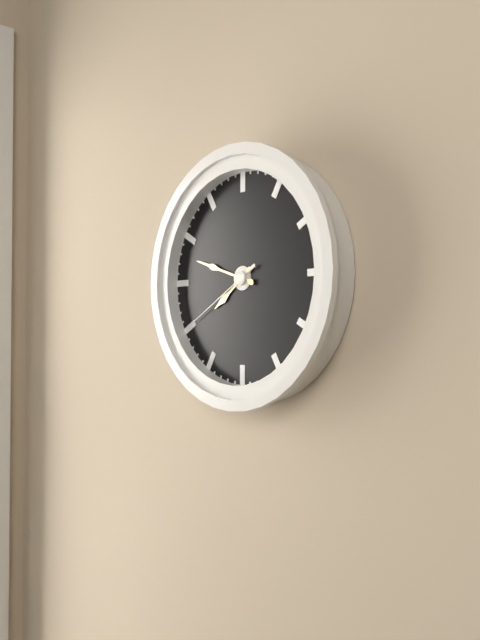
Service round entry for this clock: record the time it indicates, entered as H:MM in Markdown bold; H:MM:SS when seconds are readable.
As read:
**7:48:40**
